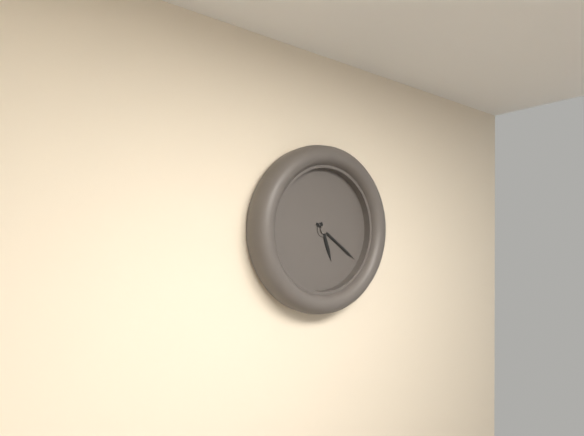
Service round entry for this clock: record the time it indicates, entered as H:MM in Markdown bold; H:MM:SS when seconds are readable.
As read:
**5:21**
